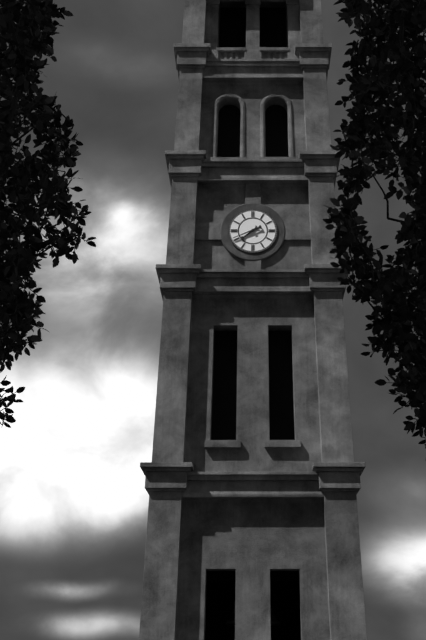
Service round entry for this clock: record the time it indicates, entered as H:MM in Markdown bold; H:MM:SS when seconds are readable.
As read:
**7:41**
